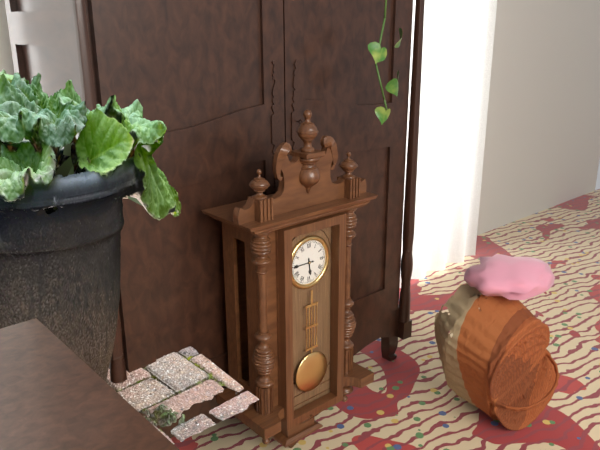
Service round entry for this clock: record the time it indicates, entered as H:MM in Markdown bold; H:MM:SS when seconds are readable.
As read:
**5:45**
